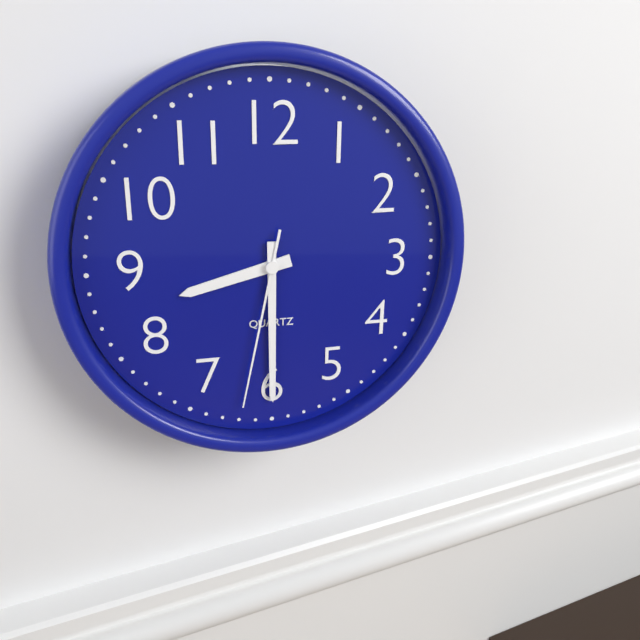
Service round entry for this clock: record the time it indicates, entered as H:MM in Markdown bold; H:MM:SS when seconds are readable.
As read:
**8:30:32**
